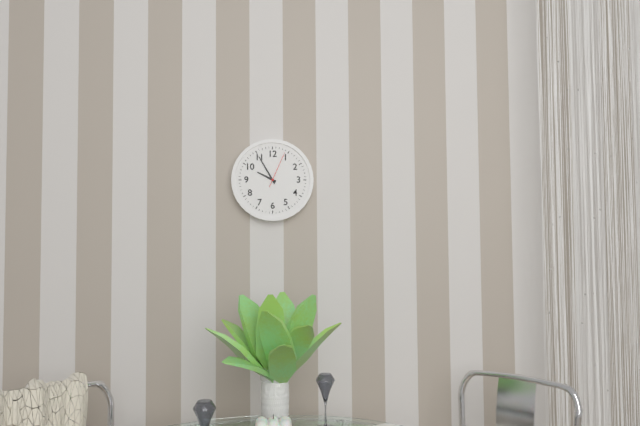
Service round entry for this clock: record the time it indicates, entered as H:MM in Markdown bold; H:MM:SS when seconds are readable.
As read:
**9:55**
